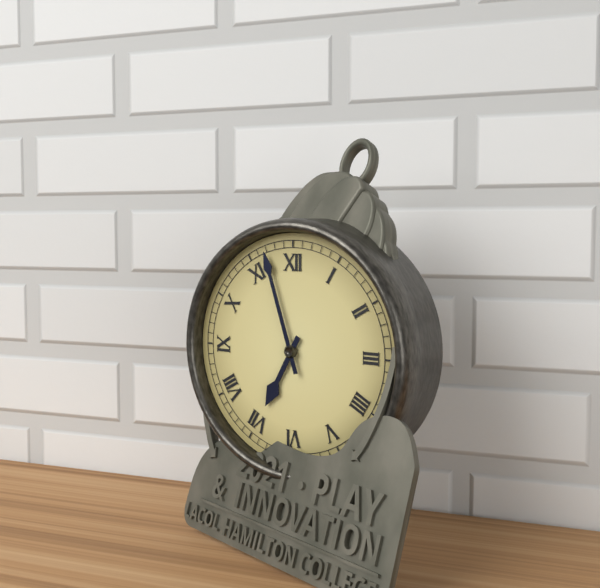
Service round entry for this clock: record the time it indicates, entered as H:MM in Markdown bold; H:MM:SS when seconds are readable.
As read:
**6:57**
